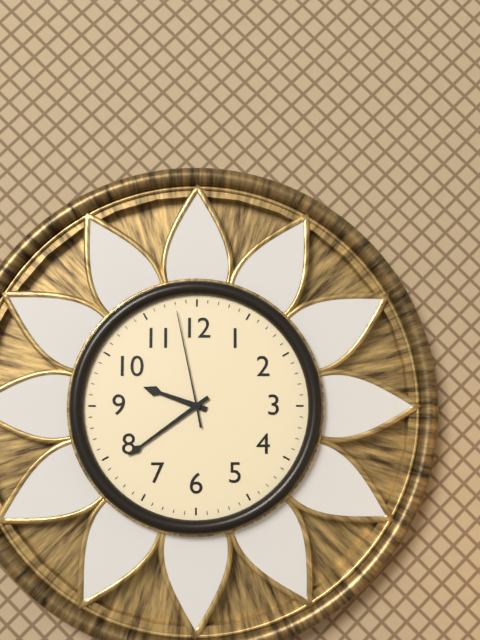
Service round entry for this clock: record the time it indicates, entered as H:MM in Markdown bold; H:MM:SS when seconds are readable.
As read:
**9:39:58**
